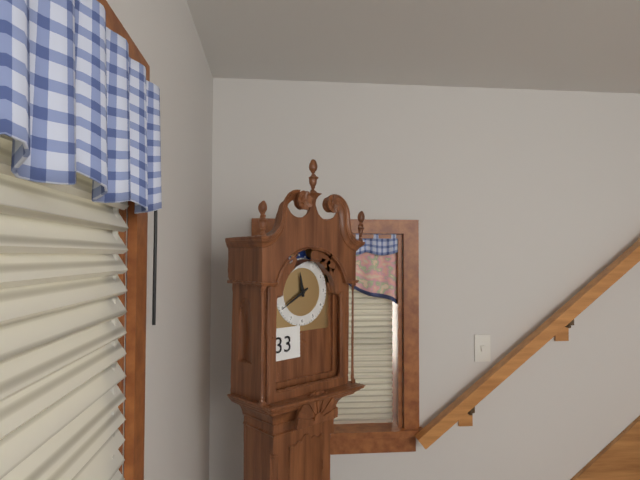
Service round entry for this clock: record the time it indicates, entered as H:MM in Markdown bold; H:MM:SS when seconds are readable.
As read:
**11:40**
